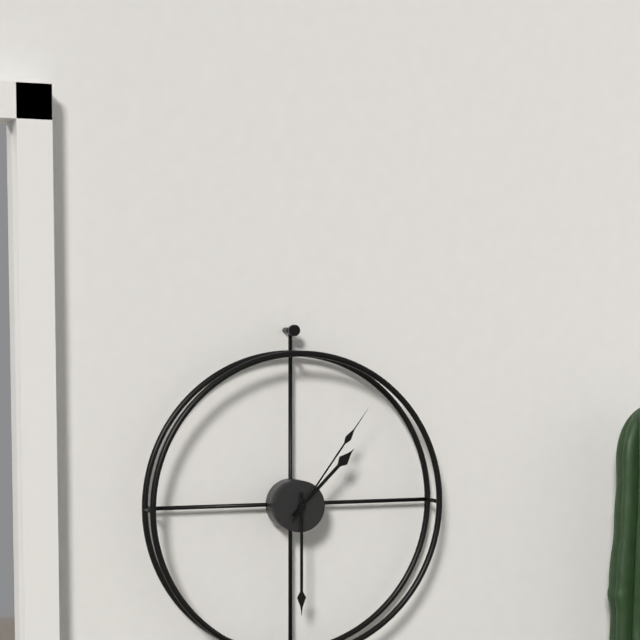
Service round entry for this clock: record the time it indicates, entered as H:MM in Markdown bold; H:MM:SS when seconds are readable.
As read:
**1:30:06**
